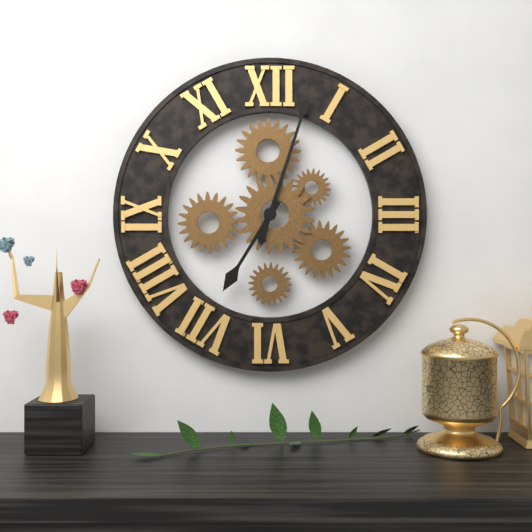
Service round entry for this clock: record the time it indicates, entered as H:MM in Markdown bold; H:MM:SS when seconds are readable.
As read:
**7:03**
